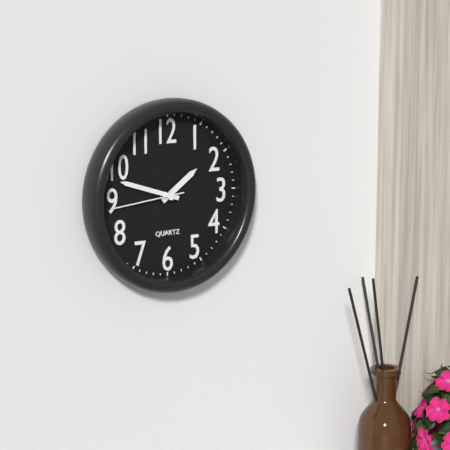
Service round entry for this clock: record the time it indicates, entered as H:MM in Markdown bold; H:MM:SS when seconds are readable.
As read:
**1:48:44**
